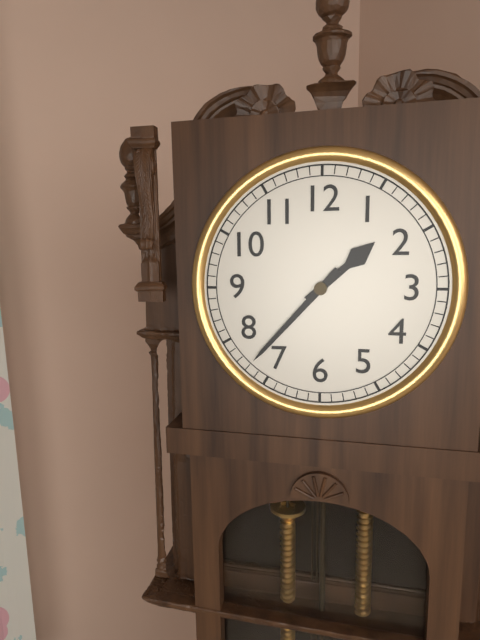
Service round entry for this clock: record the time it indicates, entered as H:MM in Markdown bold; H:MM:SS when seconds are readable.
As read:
**1:37**
